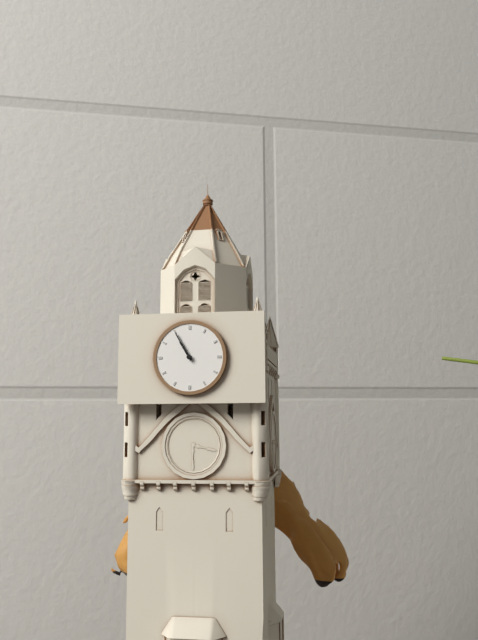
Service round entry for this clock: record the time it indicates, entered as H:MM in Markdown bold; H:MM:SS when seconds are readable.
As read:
**10:55**
